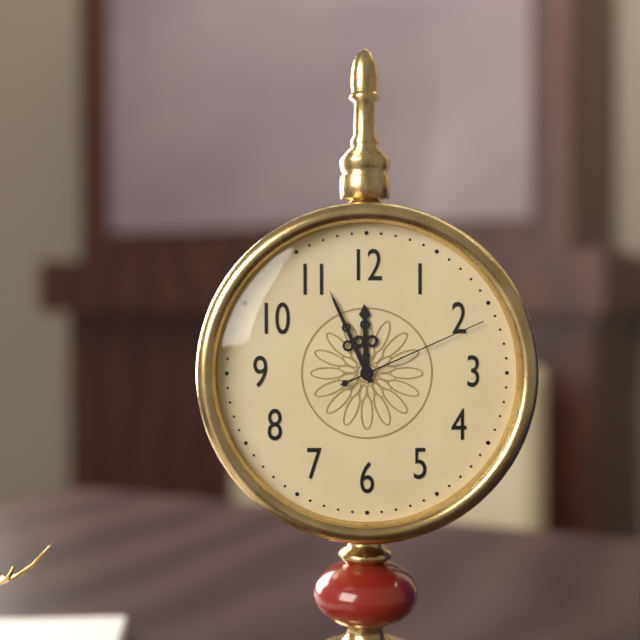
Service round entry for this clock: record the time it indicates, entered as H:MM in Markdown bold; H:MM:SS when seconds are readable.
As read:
**11:56:11**
